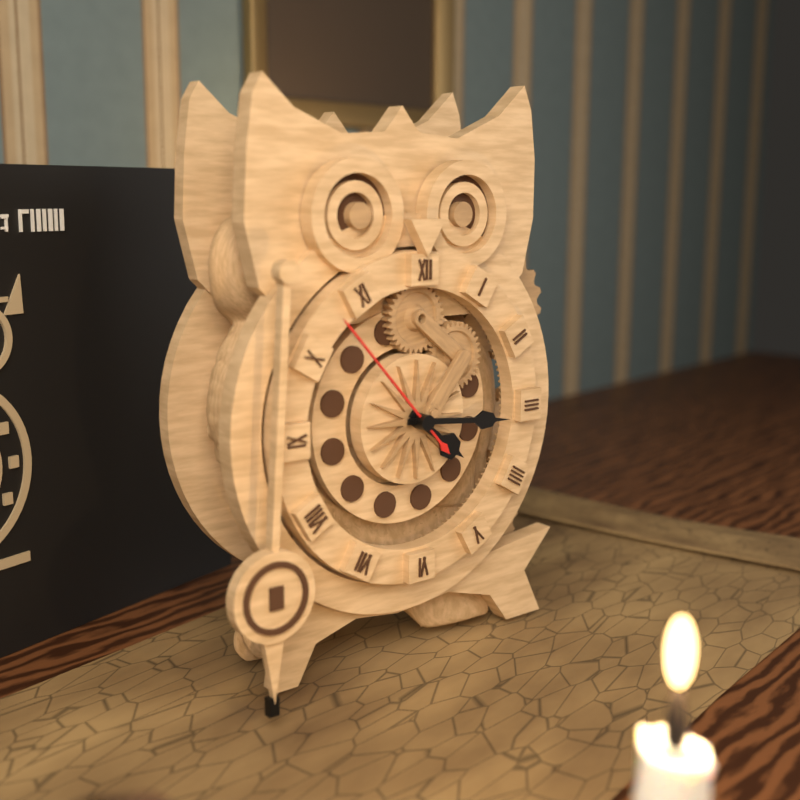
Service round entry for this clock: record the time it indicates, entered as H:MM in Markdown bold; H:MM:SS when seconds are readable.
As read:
**4:16:53**
